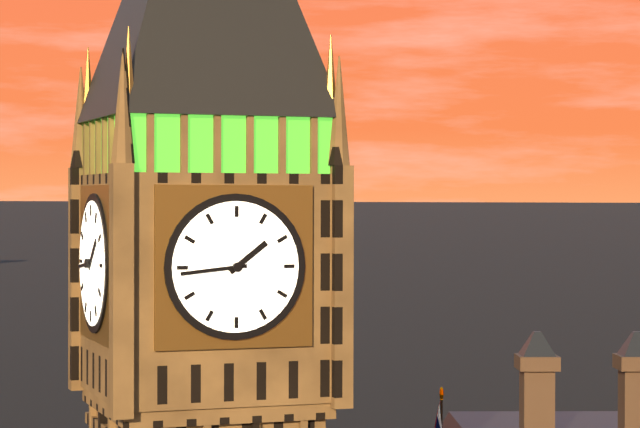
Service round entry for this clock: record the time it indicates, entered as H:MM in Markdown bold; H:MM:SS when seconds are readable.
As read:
**1:44**
